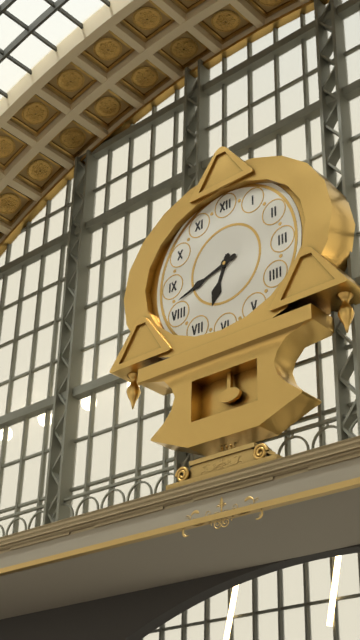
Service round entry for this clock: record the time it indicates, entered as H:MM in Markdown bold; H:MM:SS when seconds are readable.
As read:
**6:42**
